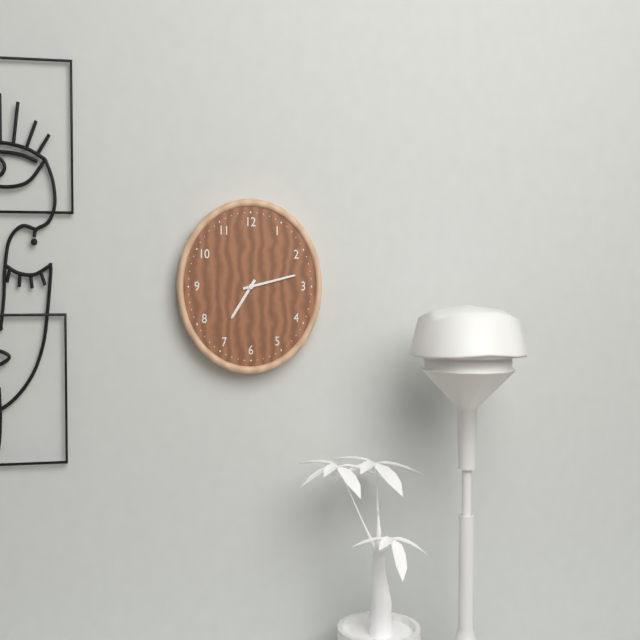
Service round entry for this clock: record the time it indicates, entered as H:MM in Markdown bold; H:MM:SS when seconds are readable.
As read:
**7:13**
